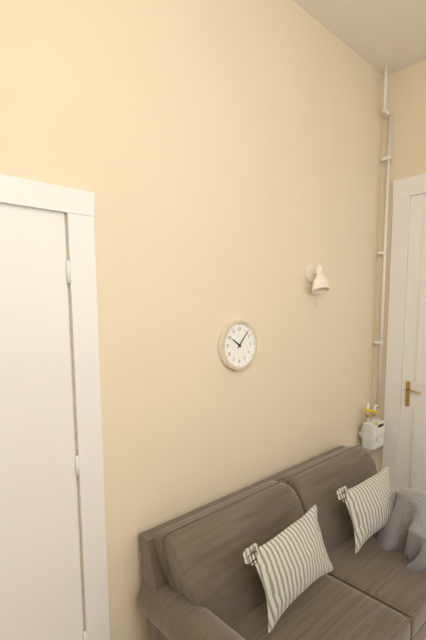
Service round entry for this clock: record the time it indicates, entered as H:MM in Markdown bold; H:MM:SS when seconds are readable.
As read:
**10:07**
